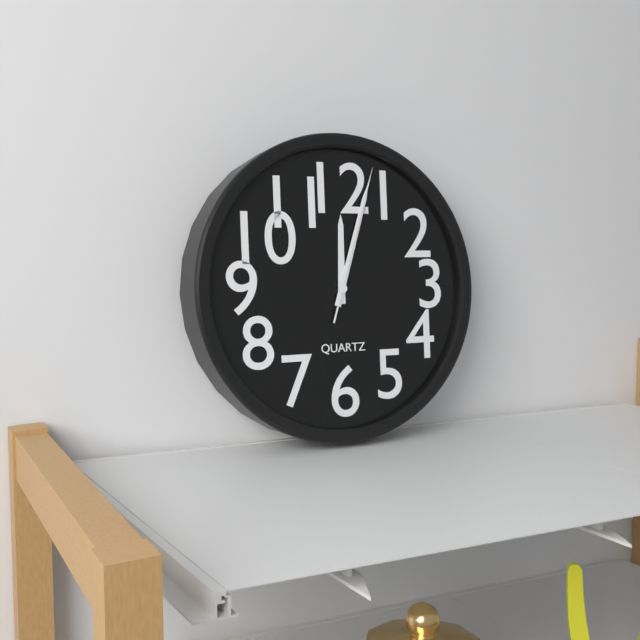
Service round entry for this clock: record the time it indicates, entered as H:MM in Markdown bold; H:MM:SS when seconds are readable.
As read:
**12:03:03**
